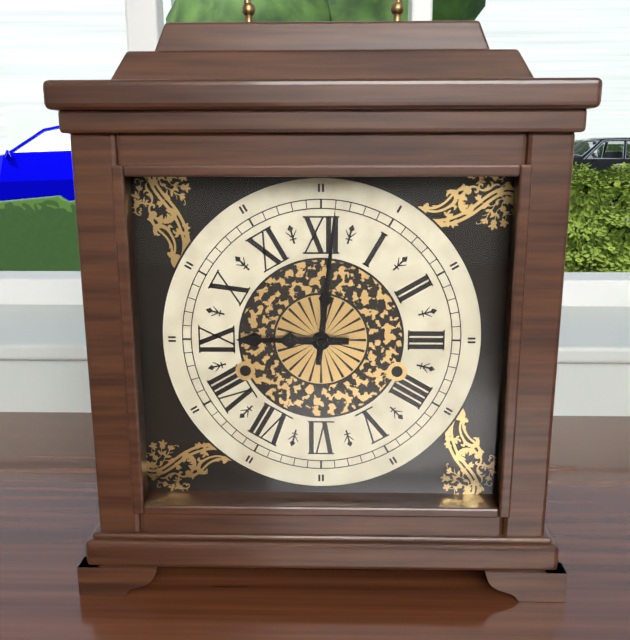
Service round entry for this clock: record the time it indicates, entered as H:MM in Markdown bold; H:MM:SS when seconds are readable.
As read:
**9:01**
